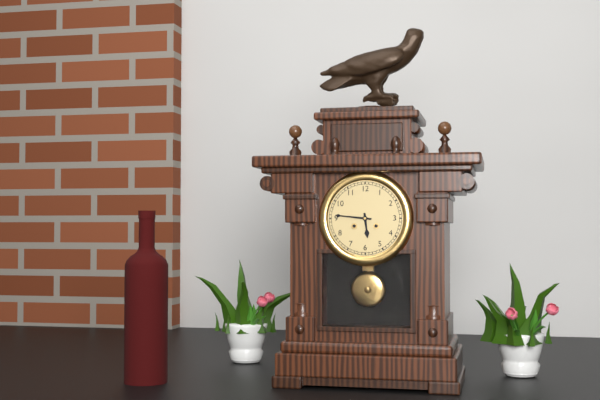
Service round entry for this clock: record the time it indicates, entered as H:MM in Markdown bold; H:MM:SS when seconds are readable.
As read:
**5:46**
